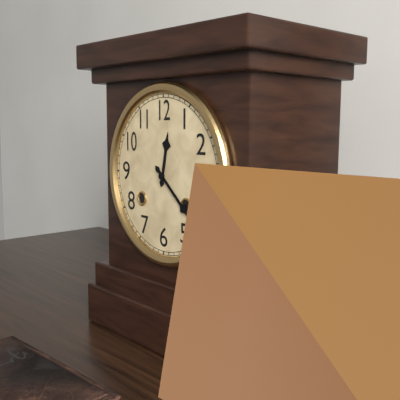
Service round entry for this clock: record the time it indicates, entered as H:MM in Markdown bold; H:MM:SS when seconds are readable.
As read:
**12:22**
